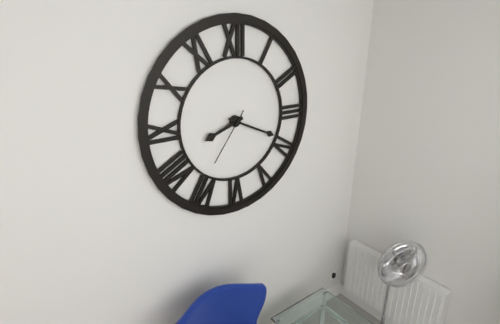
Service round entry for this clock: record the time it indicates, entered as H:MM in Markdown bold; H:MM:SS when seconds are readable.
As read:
**8:19:36**
